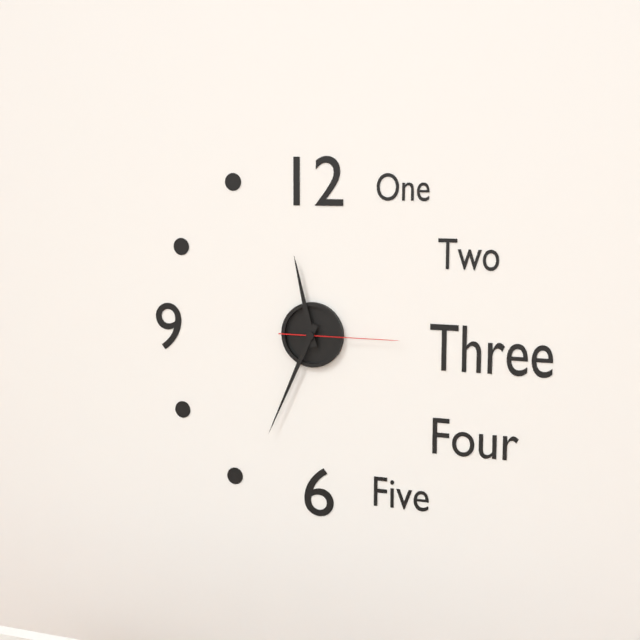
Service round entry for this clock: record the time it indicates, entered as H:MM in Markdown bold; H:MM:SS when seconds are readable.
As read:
**11:34:15**
